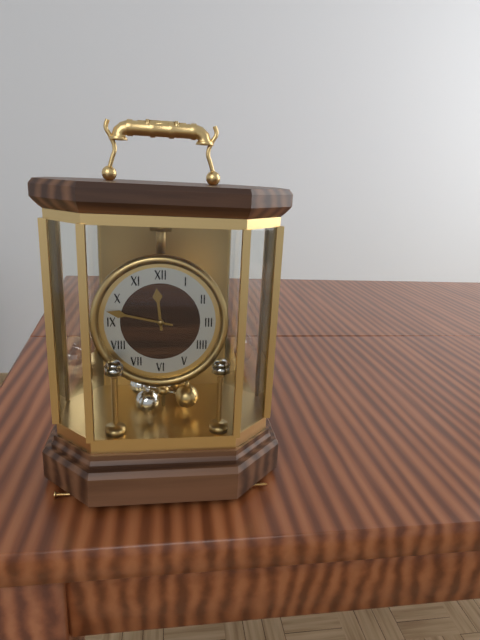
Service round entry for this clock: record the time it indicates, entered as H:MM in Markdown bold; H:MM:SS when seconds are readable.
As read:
**11:47**
